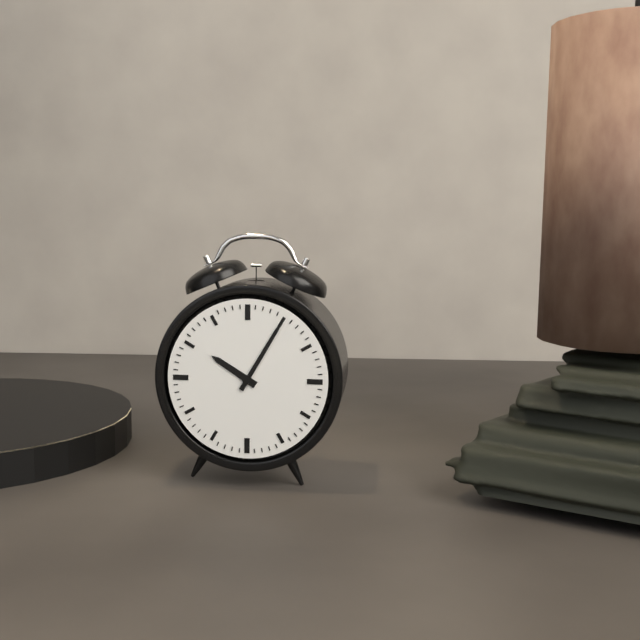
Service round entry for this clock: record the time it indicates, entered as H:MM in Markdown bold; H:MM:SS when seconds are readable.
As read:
**10:05**
